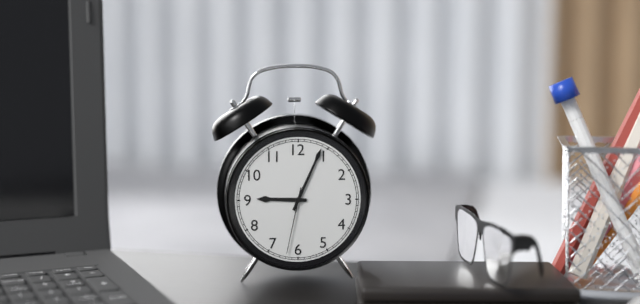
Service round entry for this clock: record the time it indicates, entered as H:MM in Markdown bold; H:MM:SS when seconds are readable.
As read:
**9:04:32**
